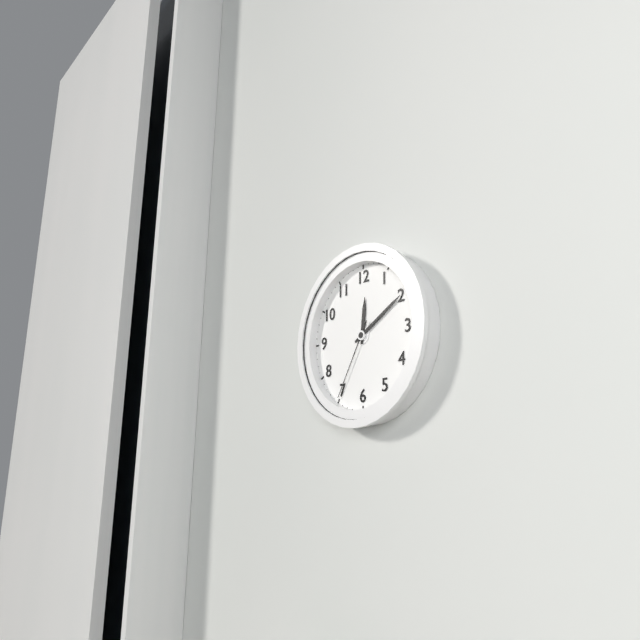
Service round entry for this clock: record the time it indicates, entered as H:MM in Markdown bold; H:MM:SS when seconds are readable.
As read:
**12:10:35**
